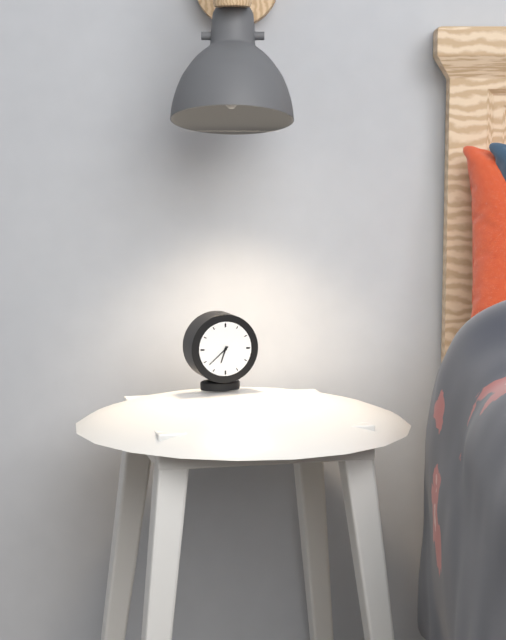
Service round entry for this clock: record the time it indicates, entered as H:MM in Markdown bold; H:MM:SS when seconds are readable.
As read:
**6:38**
